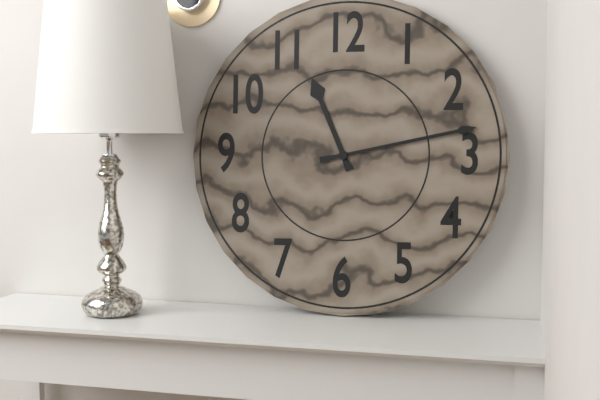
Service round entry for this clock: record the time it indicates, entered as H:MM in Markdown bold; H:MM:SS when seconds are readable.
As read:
**11:13**
